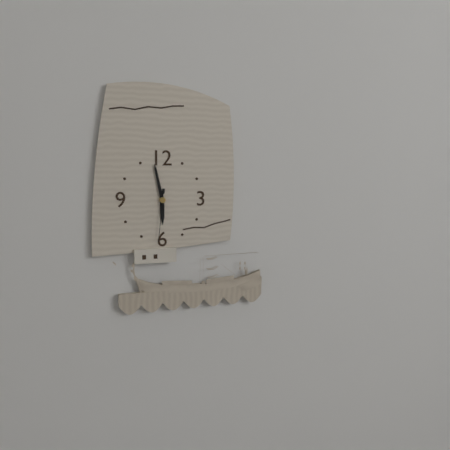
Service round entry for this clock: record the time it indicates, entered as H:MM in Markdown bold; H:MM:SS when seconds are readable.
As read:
**5:58:31**
